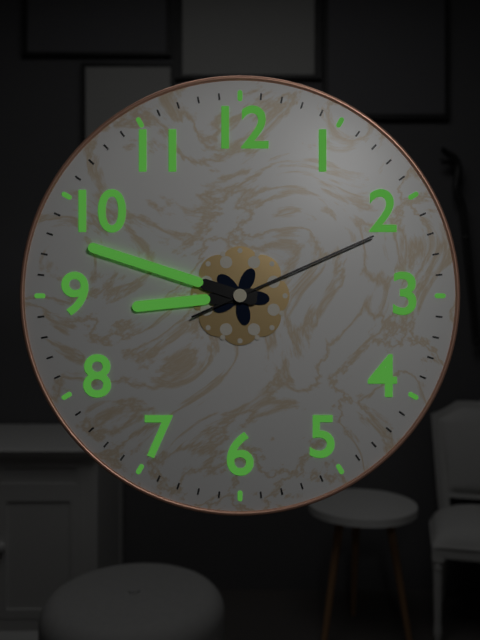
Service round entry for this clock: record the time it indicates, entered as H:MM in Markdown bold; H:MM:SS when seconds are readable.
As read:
**8:48:11**
